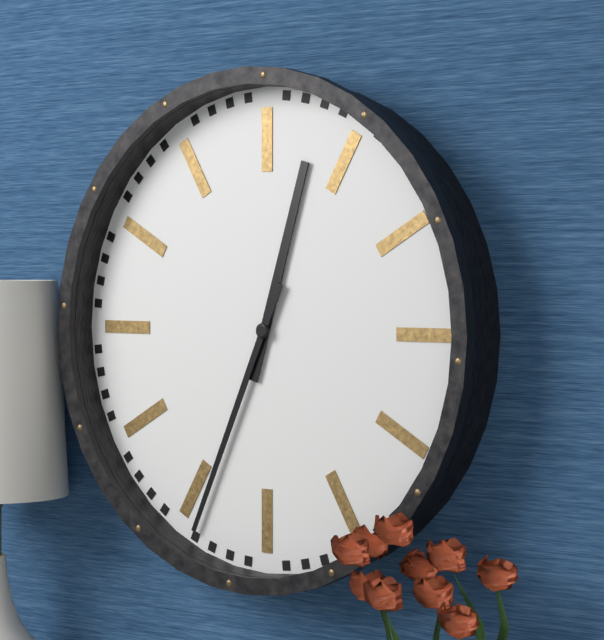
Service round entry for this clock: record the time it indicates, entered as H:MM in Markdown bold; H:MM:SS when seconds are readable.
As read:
**12:34**
